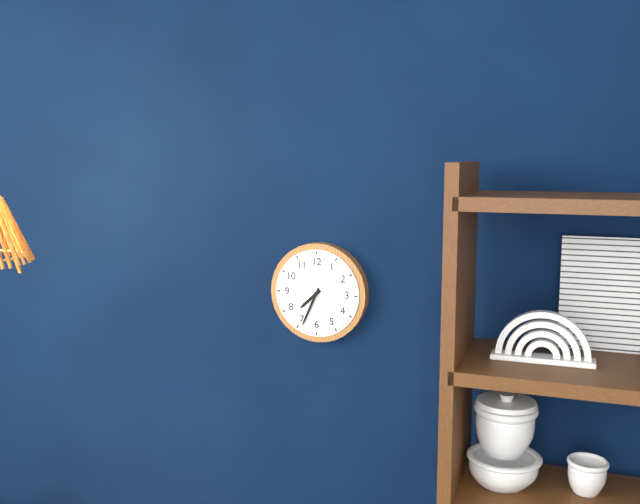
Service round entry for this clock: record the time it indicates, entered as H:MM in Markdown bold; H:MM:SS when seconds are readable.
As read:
**7:34**
